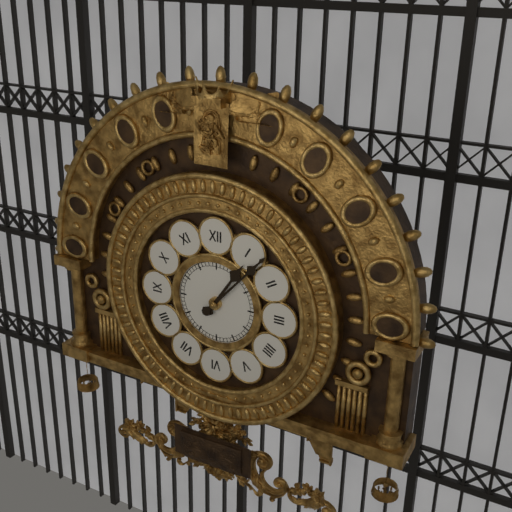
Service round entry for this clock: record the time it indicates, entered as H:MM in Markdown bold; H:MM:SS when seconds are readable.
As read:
**1:07**
